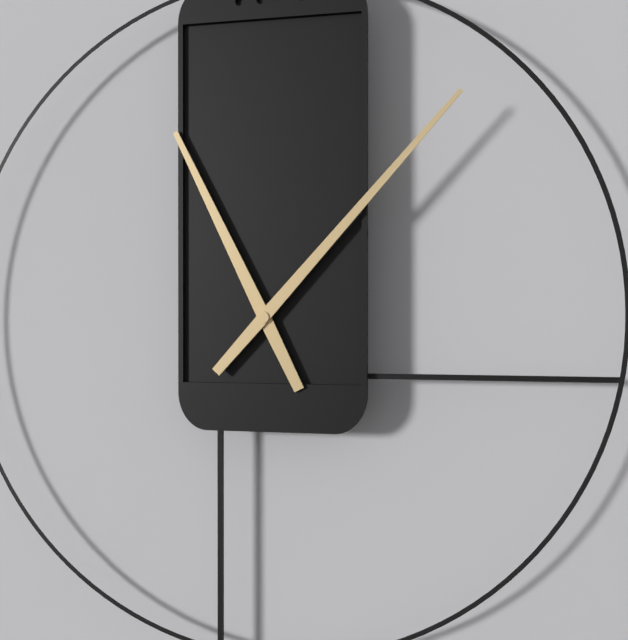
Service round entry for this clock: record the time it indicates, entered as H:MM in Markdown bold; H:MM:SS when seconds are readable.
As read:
**11:07**
